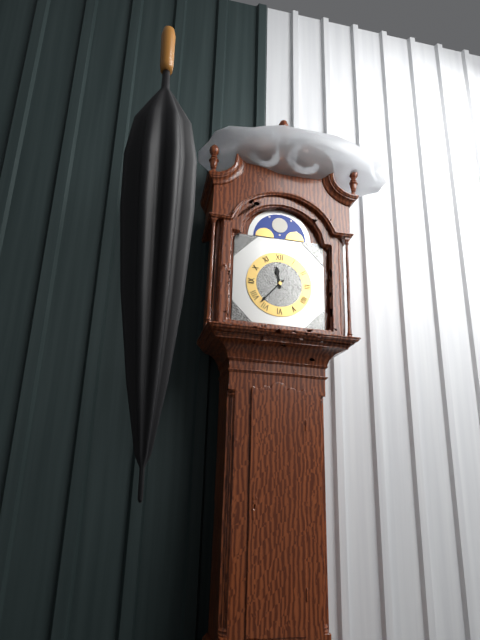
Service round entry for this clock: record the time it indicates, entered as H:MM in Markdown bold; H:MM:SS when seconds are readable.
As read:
**11:37**
